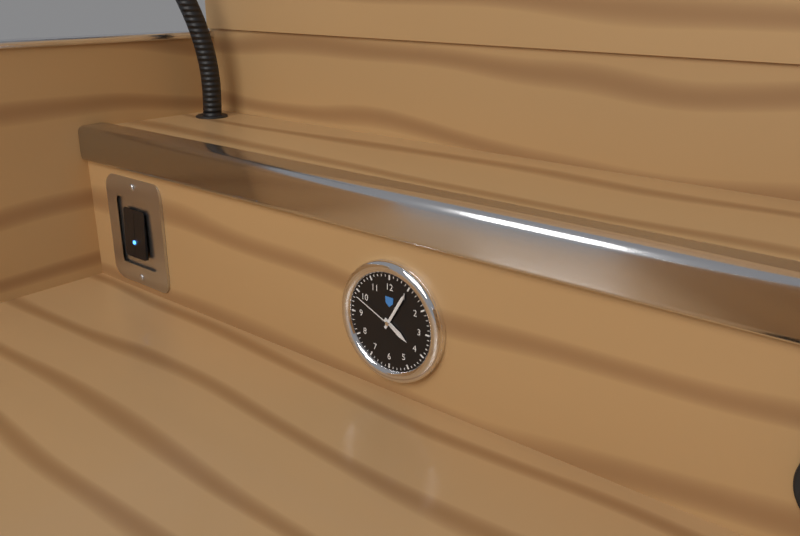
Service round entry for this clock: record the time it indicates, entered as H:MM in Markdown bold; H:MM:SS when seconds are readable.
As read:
**4:05:49**
